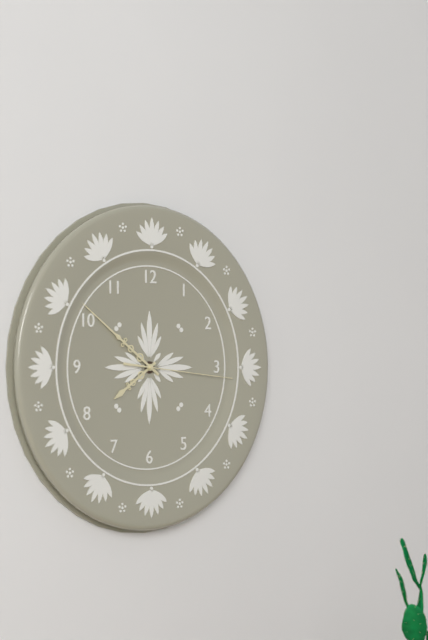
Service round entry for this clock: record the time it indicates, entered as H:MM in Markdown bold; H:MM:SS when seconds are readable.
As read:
**7:51:16**
